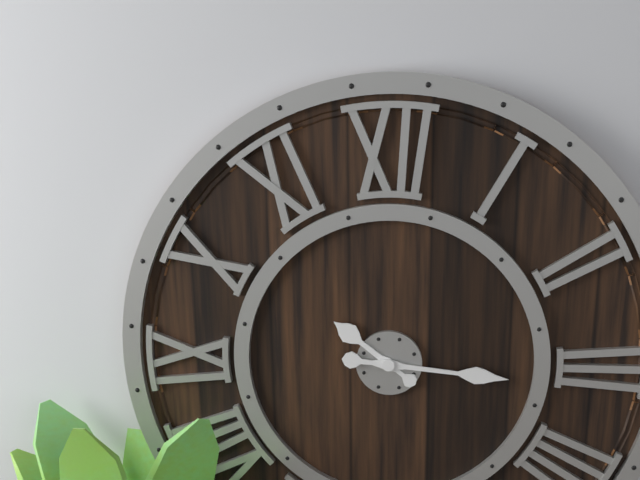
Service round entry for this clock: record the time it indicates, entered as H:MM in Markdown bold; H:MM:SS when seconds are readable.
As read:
**10:16**
